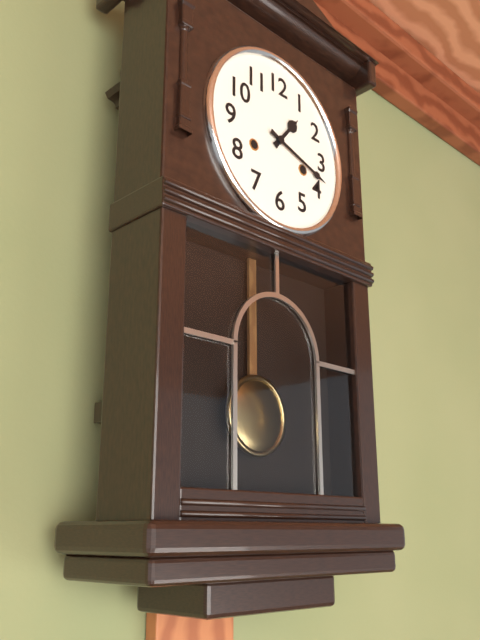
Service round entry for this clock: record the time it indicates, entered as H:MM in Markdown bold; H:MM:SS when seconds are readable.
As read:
**1:18**
